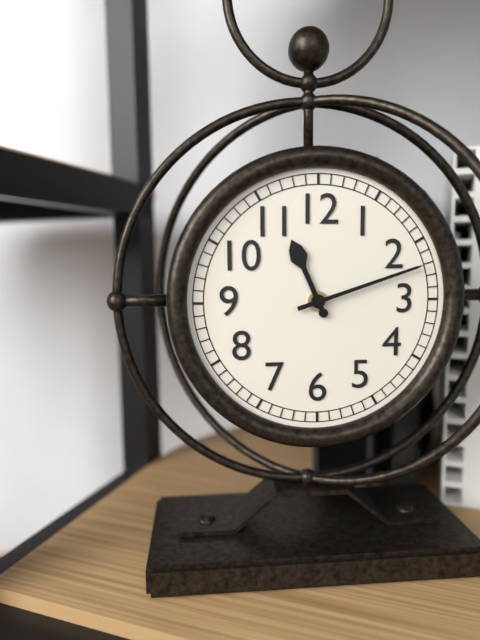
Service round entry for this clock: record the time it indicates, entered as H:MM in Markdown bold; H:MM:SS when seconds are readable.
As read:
**11:12**
